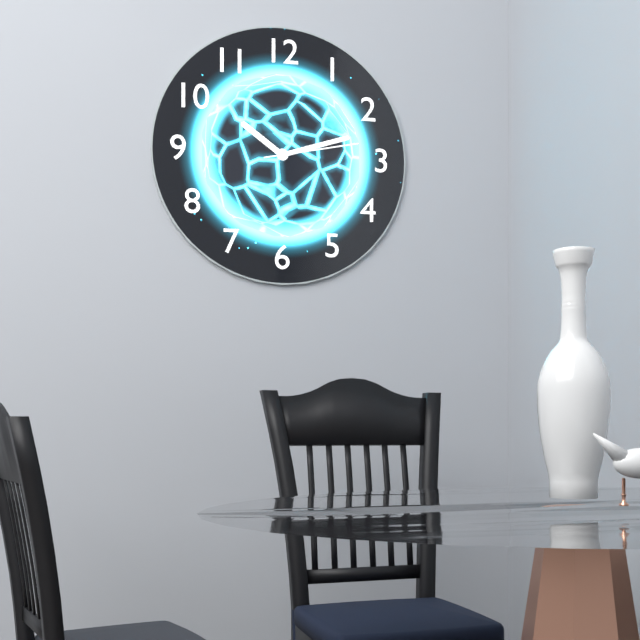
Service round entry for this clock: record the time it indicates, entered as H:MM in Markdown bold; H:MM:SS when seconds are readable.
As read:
**10:12:13**
